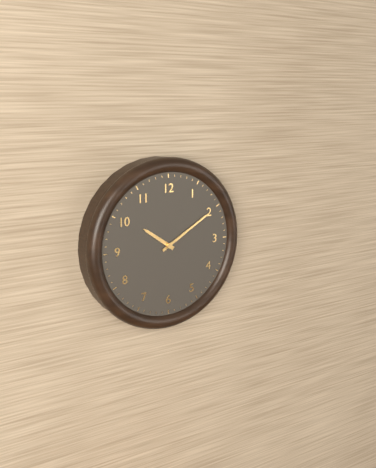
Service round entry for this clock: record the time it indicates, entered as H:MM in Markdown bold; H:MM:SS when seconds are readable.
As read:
**10:10**
